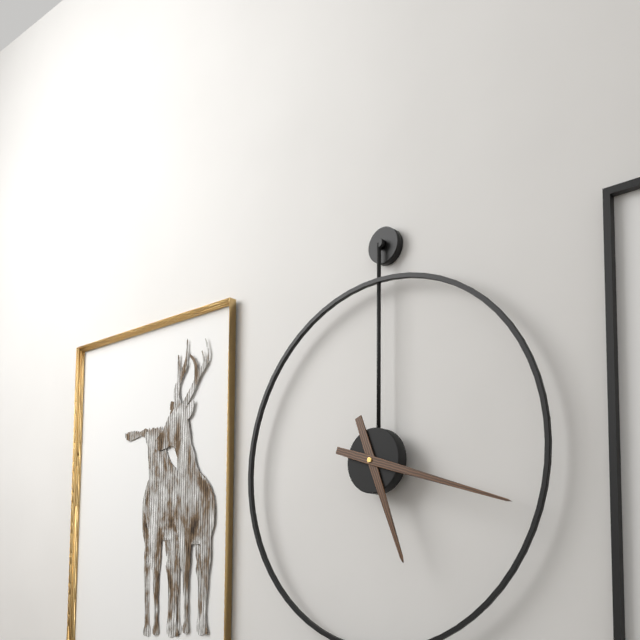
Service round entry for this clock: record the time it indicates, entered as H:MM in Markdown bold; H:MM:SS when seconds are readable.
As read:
**5:18**
